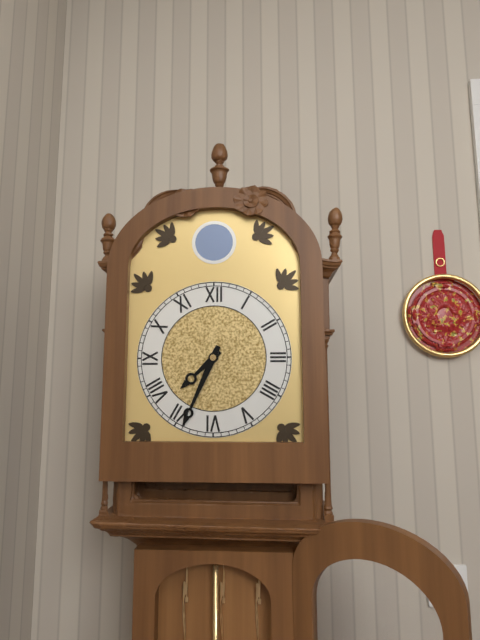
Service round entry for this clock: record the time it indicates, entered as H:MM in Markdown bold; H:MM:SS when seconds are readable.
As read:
**7:34**
